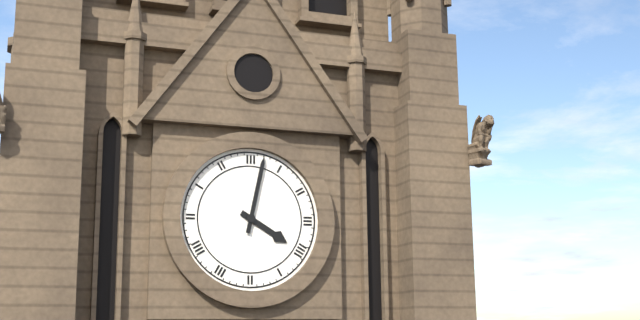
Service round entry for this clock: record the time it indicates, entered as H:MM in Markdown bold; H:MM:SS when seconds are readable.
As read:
**4:02**
